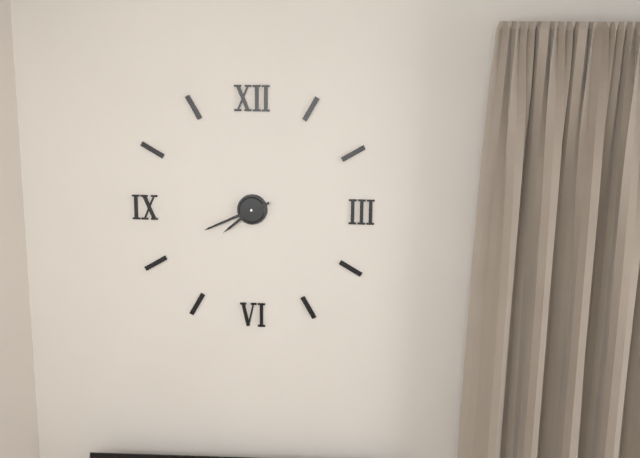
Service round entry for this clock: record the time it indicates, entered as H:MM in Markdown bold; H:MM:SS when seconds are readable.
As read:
**7:41**
